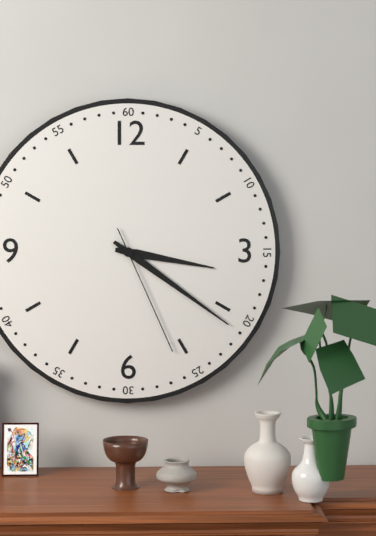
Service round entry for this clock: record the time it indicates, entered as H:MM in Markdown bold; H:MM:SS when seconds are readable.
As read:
**3:21:26**
